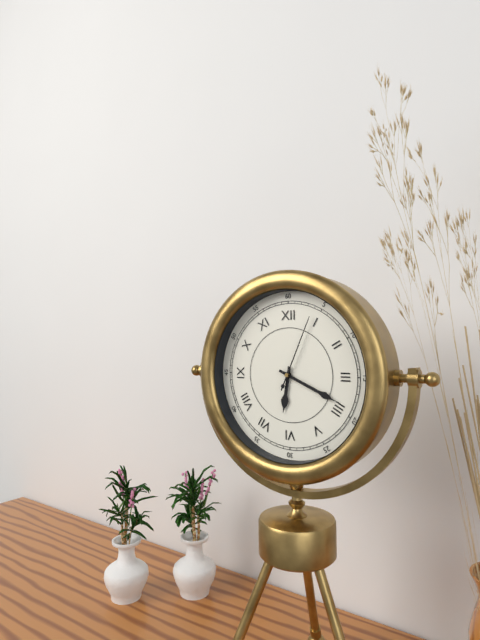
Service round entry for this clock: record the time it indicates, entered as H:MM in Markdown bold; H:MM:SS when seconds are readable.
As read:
**6:19:04**
